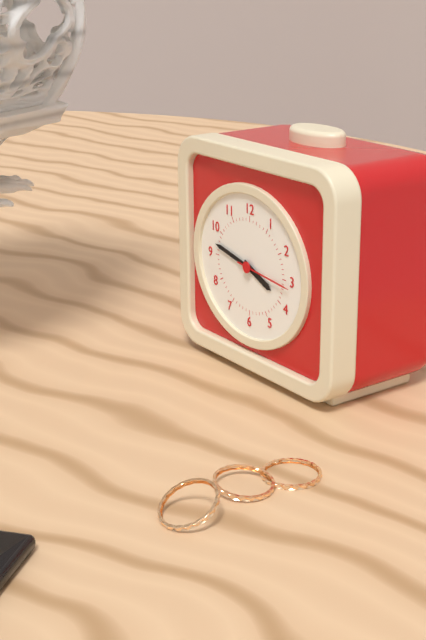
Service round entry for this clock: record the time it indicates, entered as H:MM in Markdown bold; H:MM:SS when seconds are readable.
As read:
**3:47:16**
